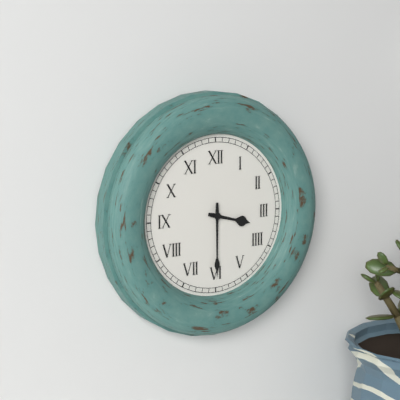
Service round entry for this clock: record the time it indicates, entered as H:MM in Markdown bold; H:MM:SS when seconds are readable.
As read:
**3:30**
